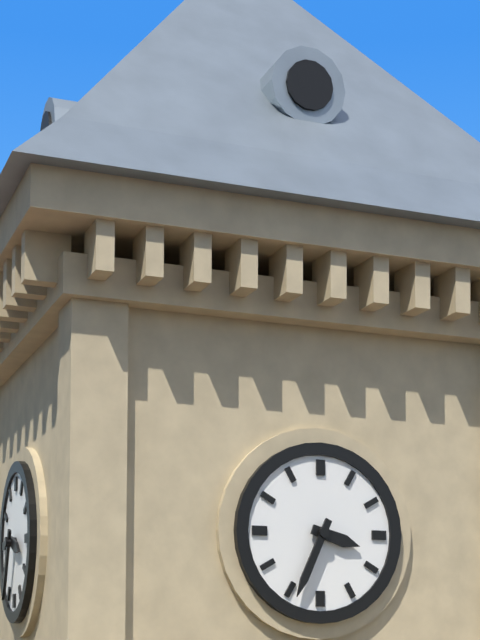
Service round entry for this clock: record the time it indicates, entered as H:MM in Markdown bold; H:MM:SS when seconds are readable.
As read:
**3:34**
